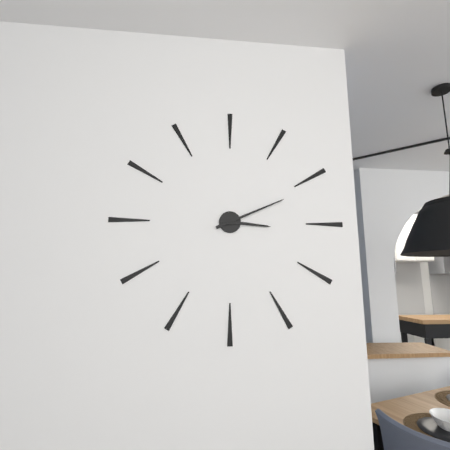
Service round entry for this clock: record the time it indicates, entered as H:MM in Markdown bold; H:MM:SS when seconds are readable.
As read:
**3:11**
